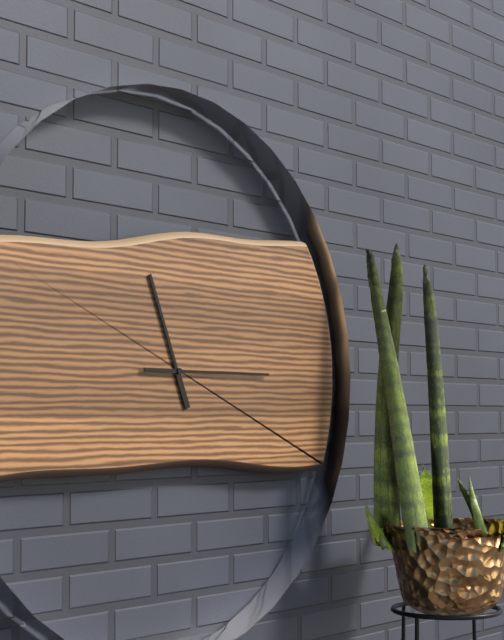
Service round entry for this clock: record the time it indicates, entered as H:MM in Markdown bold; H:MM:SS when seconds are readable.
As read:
**11:15**
